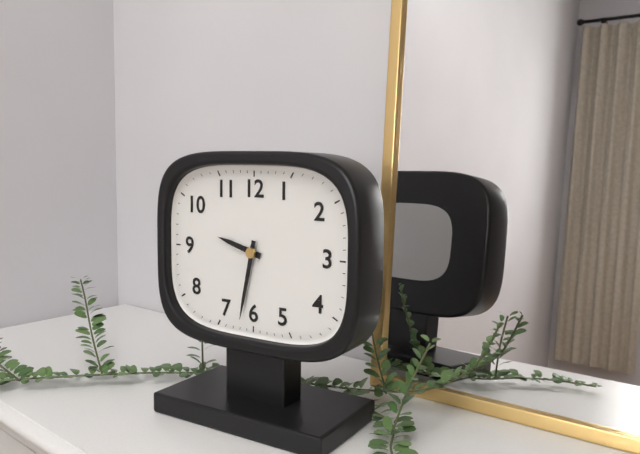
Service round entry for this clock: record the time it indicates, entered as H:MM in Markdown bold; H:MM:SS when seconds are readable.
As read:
**9:32**
